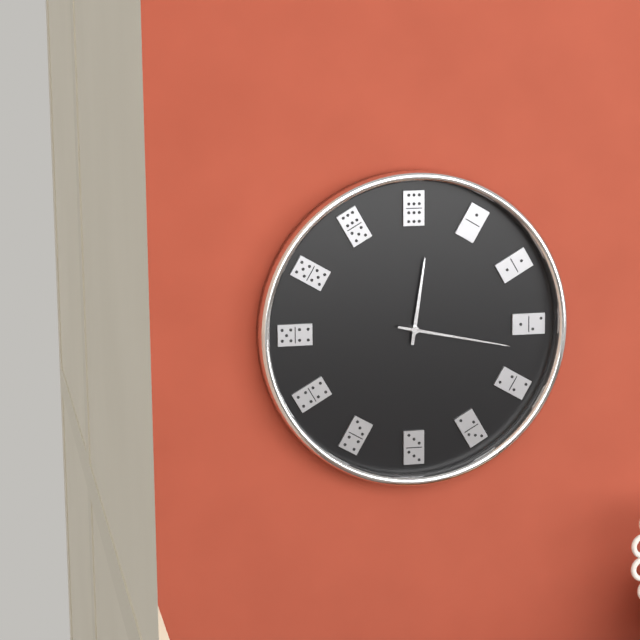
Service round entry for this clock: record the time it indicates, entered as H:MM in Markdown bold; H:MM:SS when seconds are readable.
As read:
**12:17**
